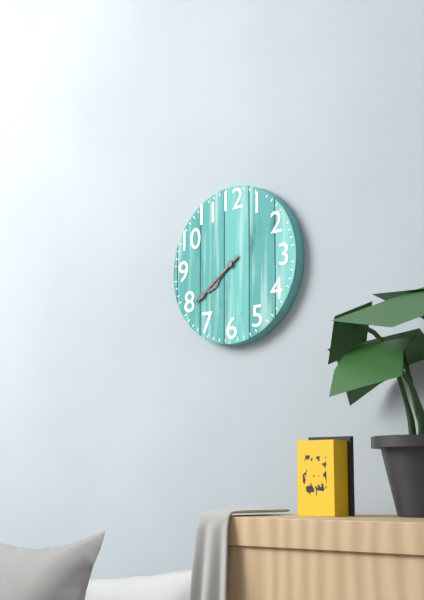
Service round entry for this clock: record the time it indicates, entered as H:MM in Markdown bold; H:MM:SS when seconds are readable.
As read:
**7:39**
